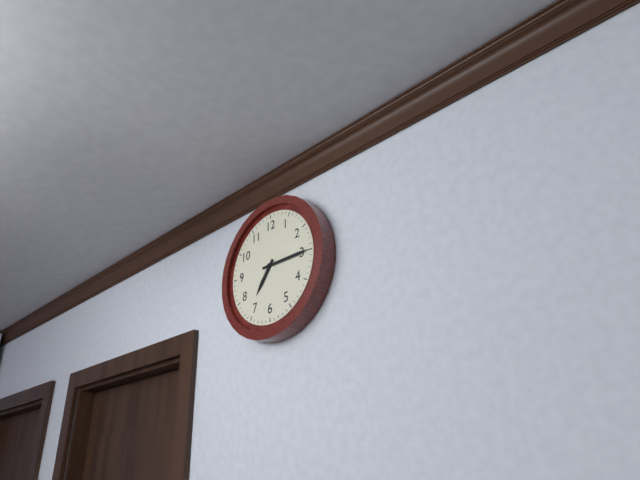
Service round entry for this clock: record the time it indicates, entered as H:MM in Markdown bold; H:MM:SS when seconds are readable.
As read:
**7:15**
